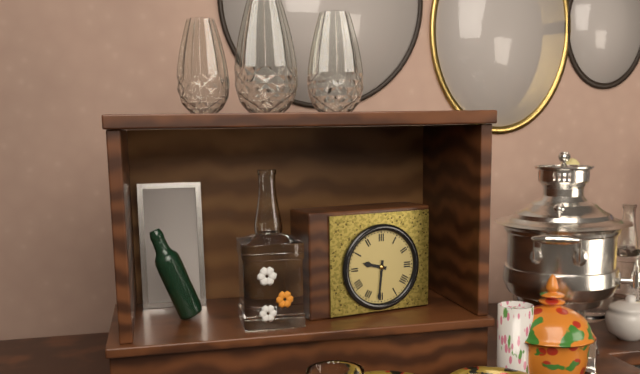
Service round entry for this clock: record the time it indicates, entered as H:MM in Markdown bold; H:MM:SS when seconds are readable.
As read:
**9:31**
